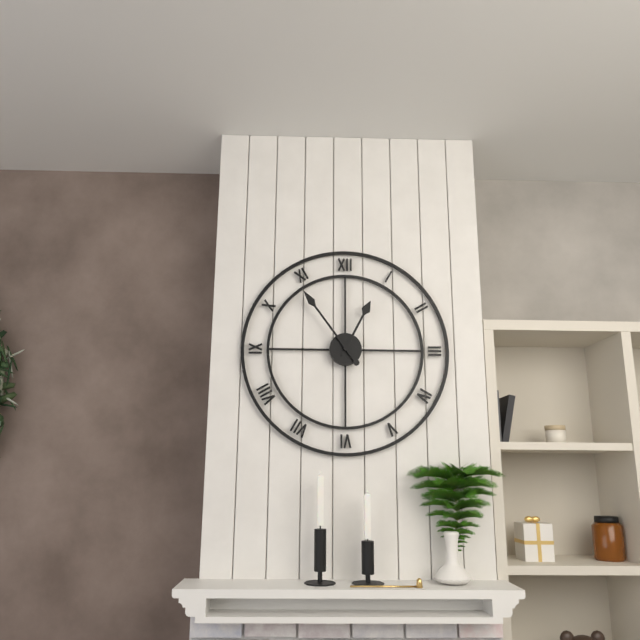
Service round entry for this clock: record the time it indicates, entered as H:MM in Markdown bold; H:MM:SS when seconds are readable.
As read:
**12:54**
